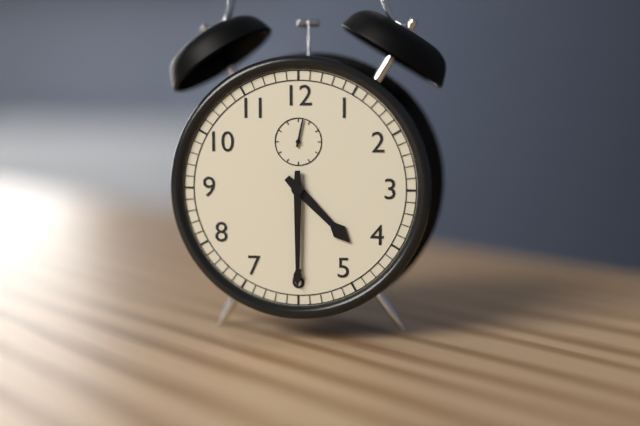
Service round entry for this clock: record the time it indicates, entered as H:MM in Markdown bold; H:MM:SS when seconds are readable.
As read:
**4:30**
